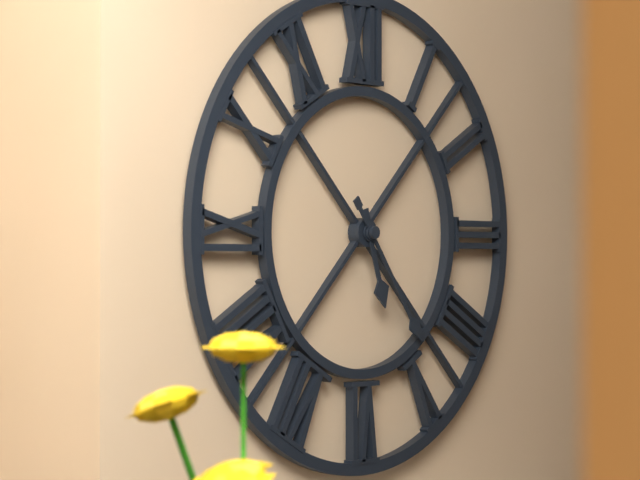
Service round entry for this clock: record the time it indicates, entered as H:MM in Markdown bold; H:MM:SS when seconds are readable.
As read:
**5:24**
